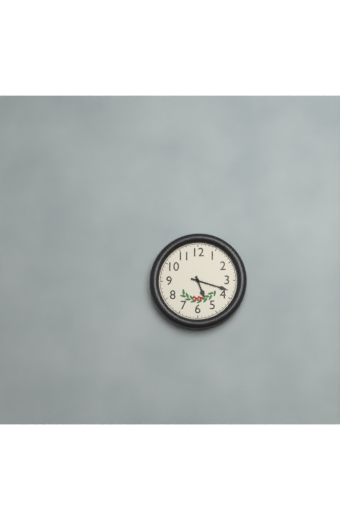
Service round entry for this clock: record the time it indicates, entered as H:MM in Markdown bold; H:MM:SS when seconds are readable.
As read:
**5:18**
